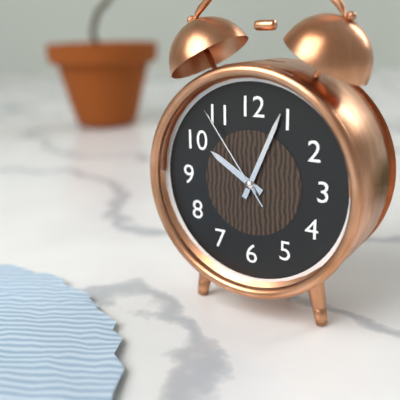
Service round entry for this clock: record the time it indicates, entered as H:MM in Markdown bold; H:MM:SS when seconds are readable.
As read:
**10:04:54**
